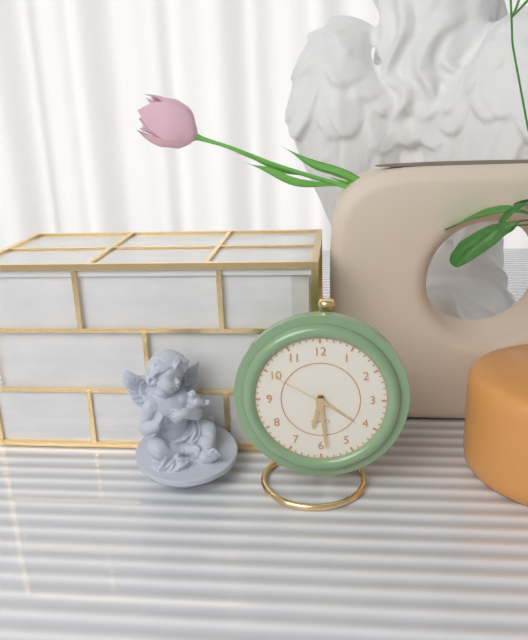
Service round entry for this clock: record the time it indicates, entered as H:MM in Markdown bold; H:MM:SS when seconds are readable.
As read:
**6:29:50**
